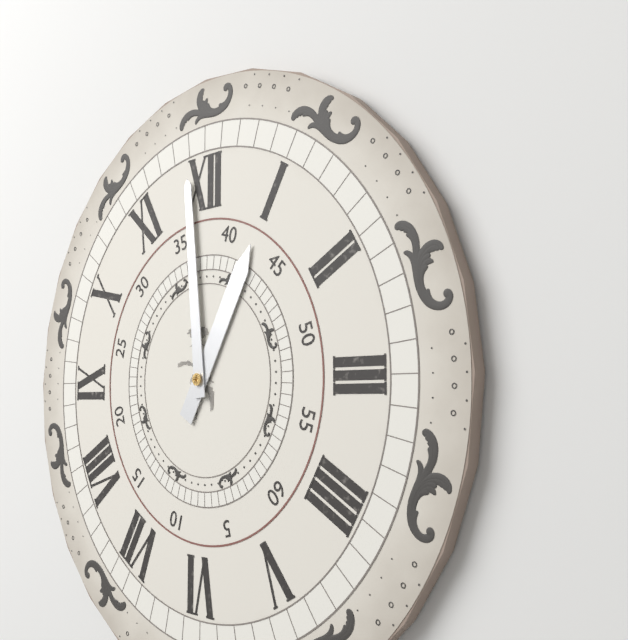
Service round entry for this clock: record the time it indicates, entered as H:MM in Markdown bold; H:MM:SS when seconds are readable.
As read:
**12:59**
